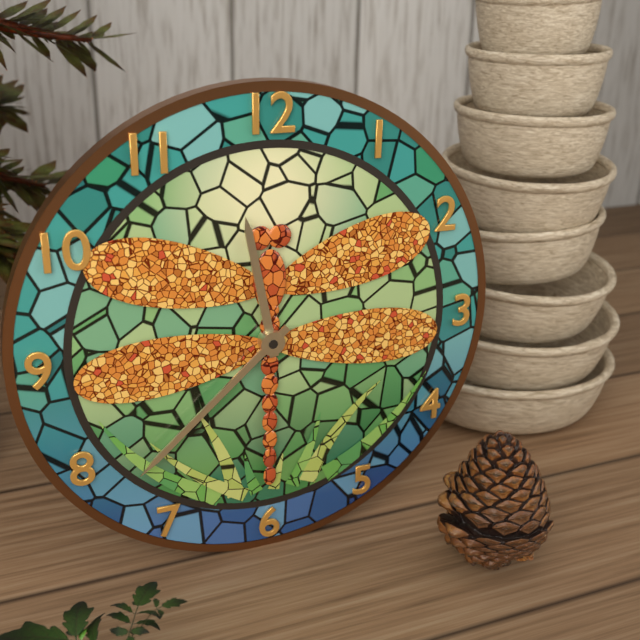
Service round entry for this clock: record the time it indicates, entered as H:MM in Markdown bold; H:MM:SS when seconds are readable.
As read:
**11:38**
